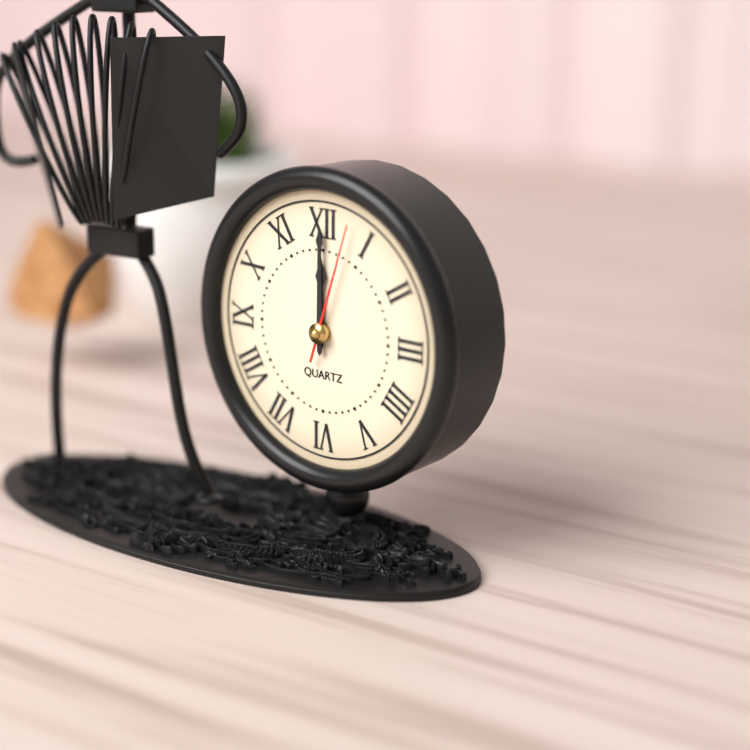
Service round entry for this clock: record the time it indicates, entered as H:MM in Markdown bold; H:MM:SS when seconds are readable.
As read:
**12:00:03**
